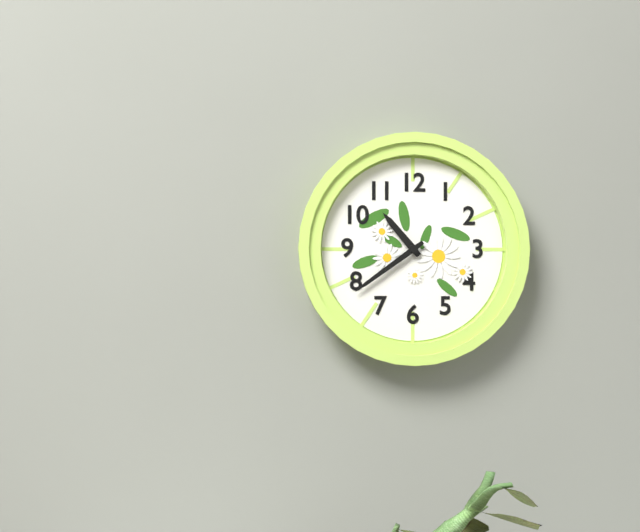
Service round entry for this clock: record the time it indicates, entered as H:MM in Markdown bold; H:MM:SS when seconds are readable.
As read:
**10:39**
